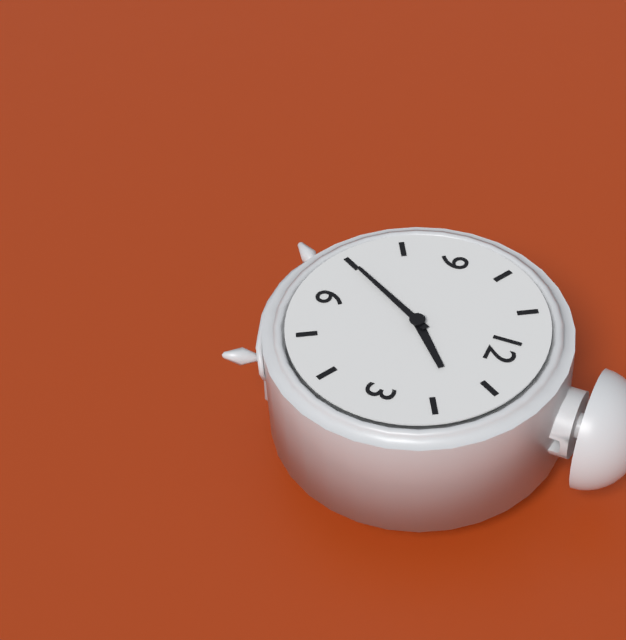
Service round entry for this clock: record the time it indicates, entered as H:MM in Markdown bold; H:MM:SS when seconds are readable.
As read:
**1:35**
